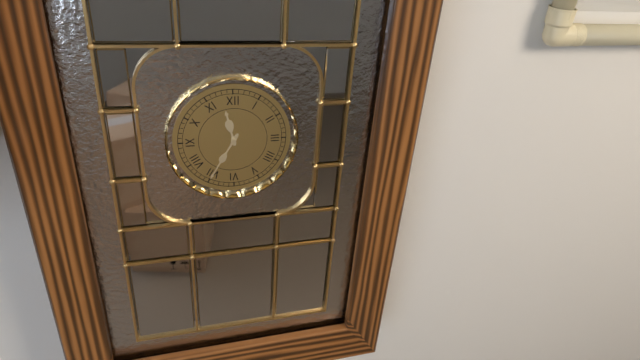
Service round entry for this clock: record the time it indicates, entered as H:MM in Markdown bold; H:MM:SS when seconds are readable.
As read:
**11:35**
